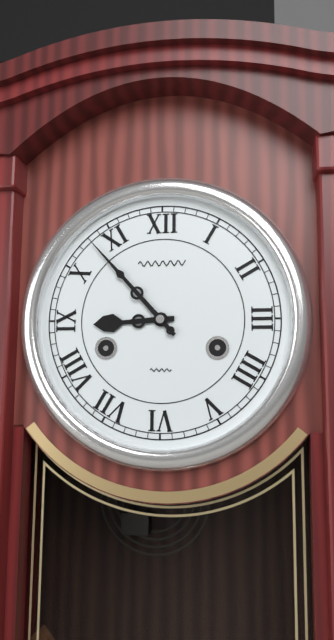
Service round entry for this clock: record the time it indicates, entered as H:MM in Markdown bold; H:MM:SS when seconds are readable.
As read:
**8:53**
